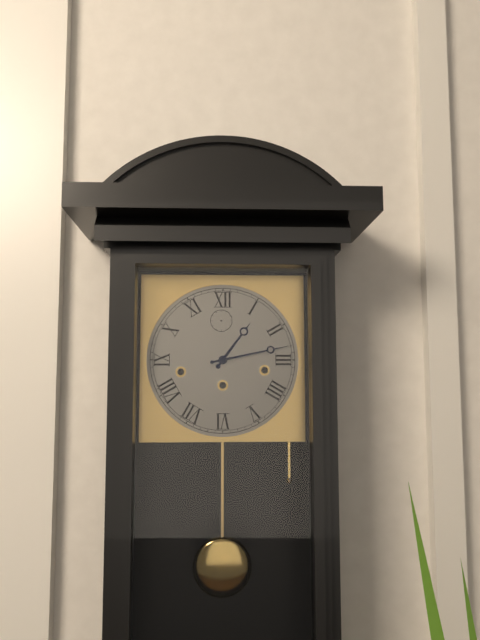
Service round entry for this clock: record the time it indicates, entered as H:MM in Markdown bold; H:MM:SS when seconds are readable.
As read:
**1:13**
